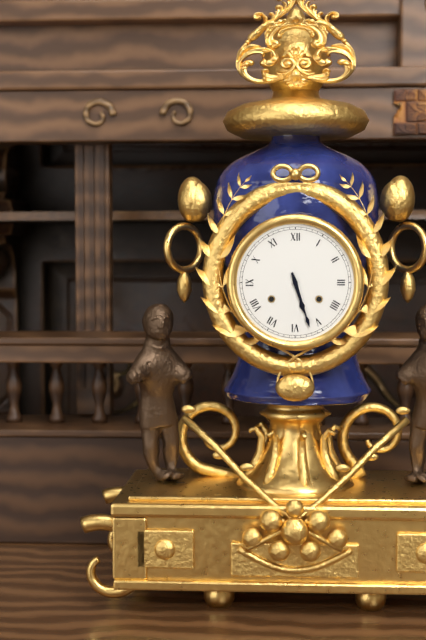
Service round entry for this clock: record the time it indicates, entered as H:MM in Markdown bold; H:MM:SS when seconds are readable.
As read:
**5:27**
